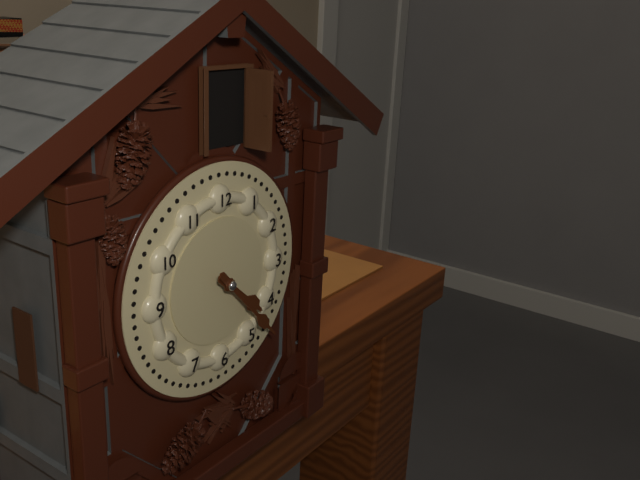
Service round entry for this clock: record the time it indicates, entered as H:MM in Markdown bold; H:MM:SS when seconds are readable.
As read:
**4:23**
